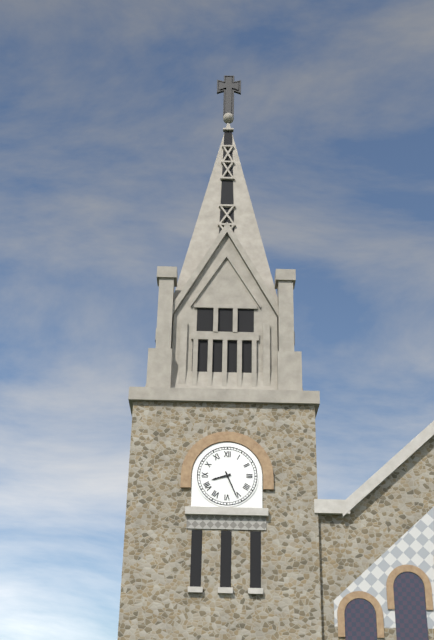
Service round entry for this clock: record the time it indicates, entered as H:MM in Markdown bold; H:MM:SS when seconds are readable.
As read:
**8:26**
